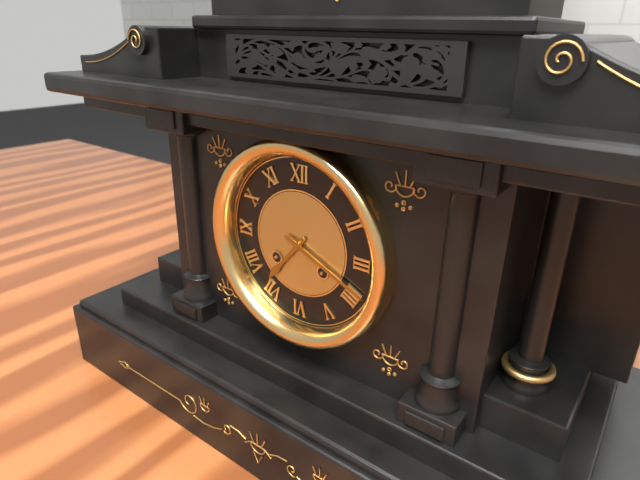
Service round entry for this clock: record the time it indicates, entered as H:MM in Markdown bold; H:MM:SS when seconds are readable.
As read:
**7:19**
